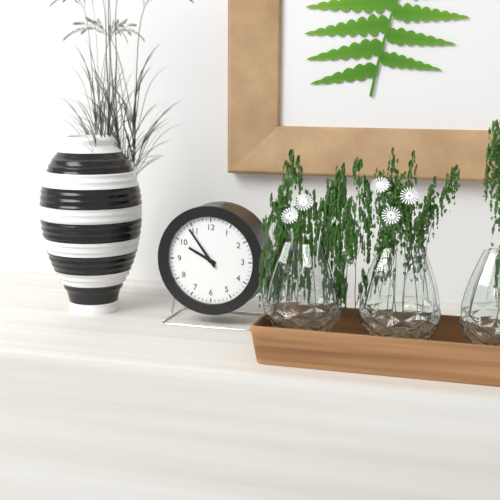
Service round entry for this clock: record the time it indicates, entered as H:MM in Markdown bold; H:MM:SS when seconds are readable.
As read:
**9:54**
